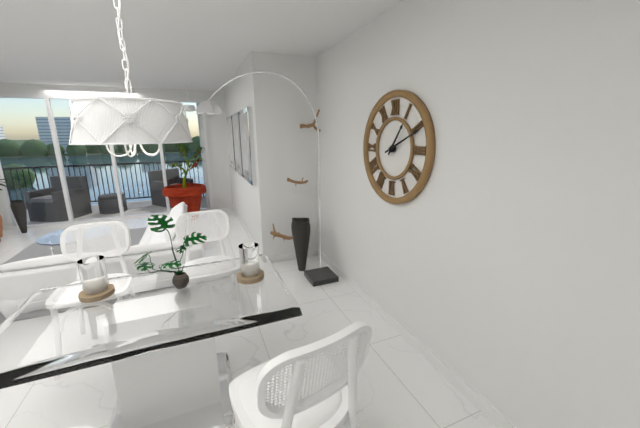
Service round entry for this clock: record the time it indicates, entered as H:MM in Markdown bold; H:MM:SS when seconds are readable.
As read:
**1:11**
